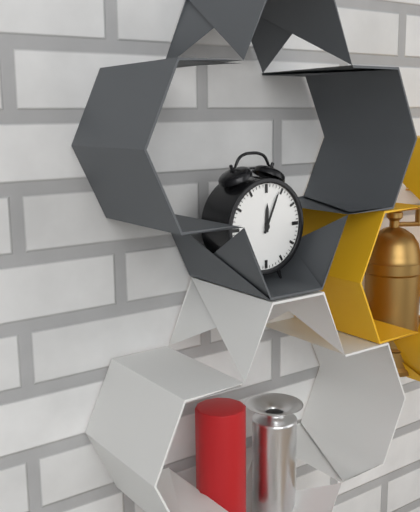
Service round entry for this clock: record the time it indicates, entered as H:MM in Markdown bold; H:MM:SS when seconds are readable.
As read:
**12:04**
